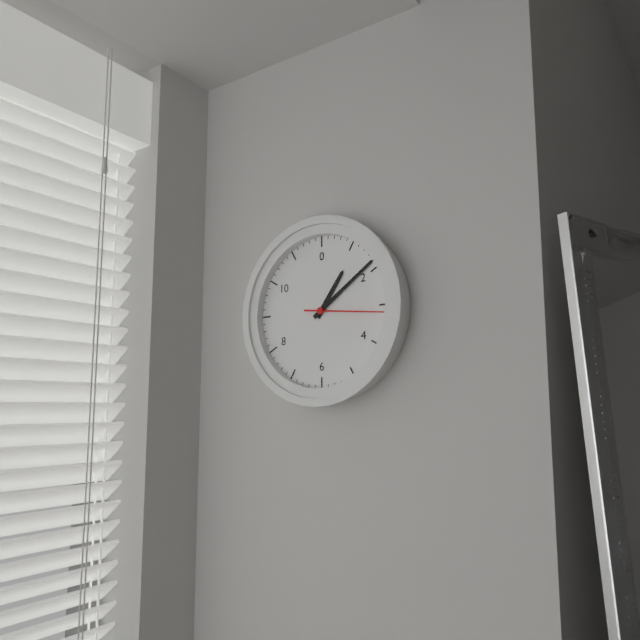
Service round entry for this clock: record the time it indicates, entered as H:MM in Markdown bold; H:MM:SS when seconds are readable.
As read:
**1:09:16**
